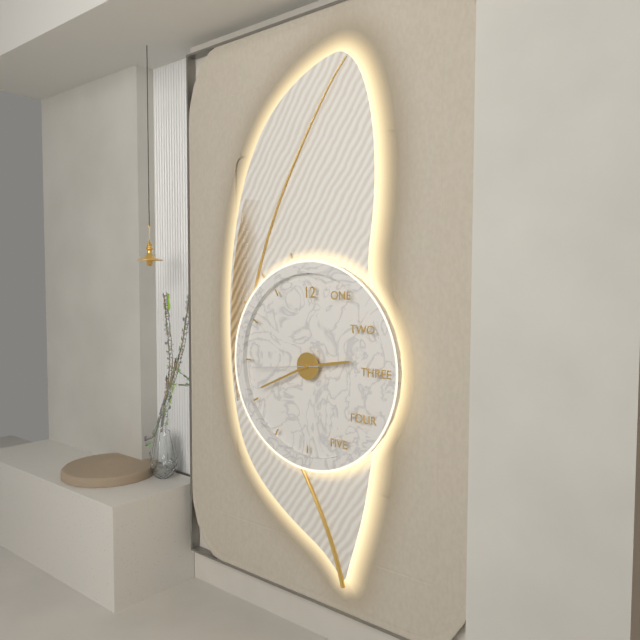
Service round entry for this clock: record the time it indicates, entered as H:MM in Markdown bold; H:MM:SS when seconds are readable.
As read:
**2:41:44**
